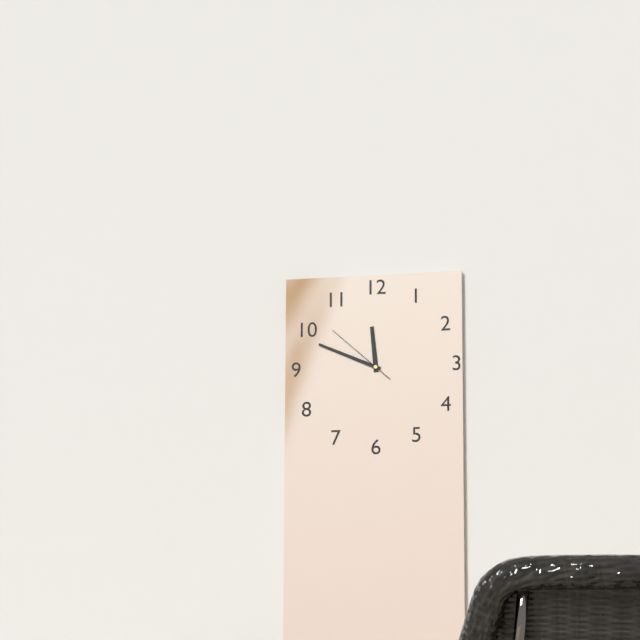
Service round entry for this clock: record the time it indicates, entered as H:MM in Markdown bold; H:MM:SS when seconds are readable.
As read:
**11:49:52**
